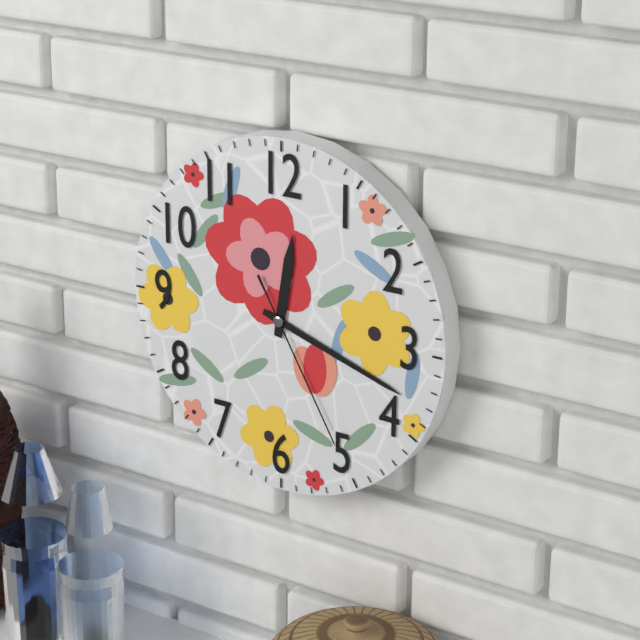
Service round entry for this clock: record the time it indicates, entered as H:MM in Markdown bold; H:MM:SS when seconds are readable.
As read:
**12:18:25**
